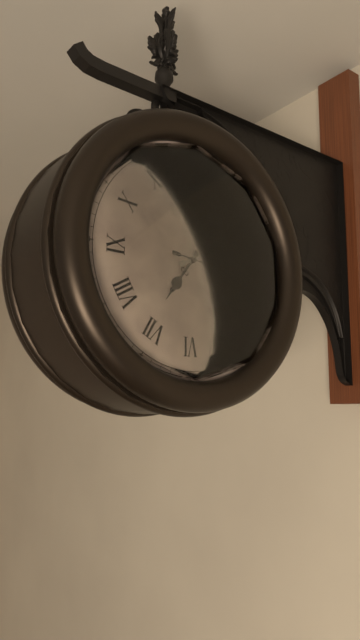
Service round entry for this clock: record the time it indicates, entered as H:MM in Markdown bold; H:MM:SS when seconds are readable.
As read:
**7:11:16**
